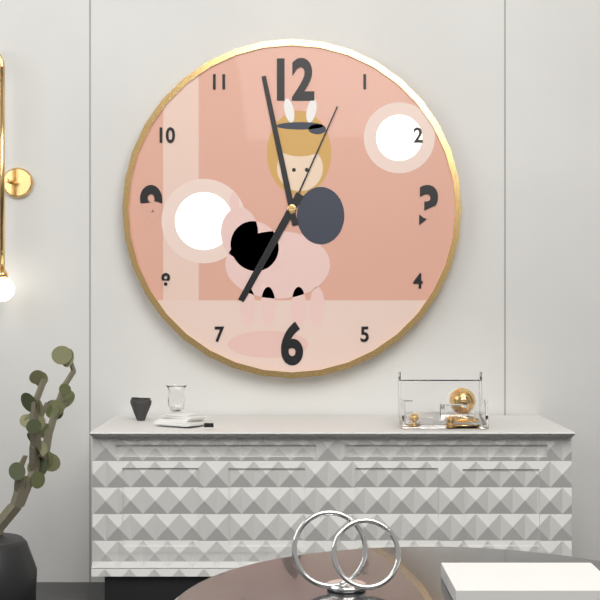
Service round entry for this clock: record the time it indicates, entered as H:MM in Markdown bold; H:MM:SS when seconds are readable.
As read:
**6:58:04**
